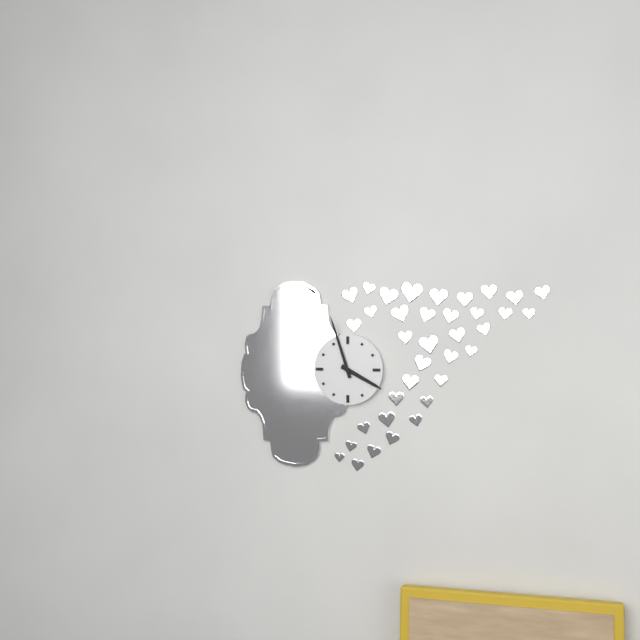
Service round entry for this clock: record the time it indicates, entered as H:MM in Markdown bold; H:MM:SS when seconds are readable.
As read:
**3:57**
